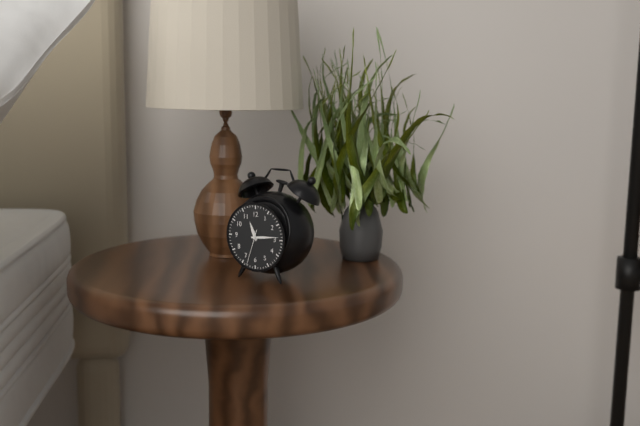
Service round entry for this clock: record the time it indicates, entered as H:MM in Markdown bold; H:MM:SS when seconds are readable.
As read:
**11:14**
